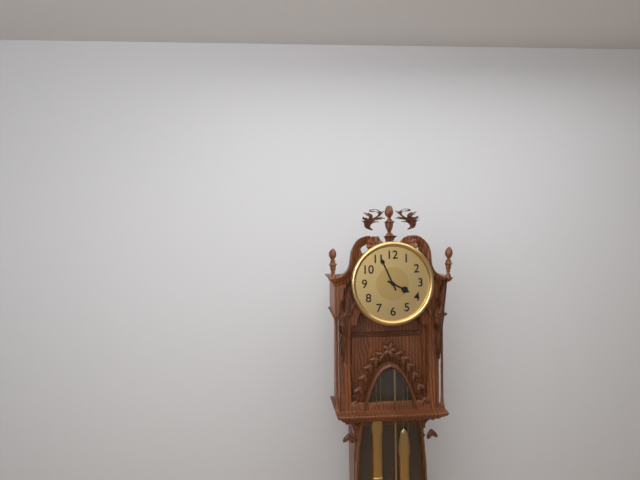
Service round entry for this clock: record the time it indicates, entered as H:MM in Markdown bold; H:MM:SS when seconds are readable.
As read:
**3:56**
